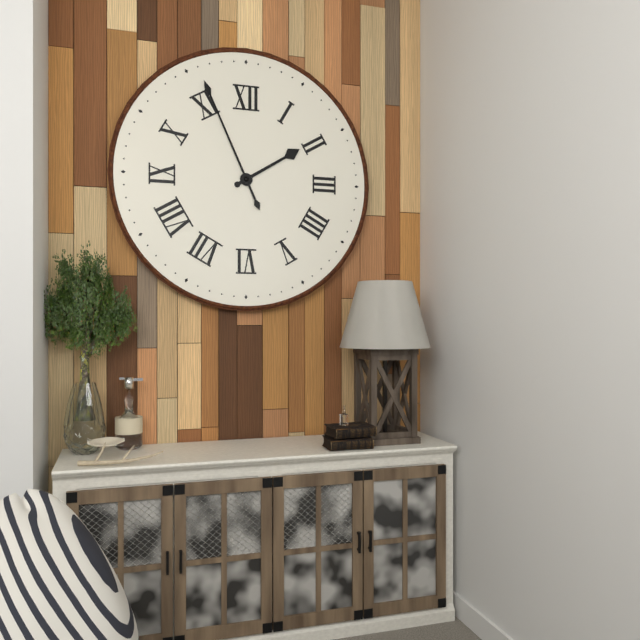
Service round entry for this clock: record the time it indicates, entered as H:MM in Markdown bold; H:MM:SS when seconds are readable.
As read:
**1:56**
